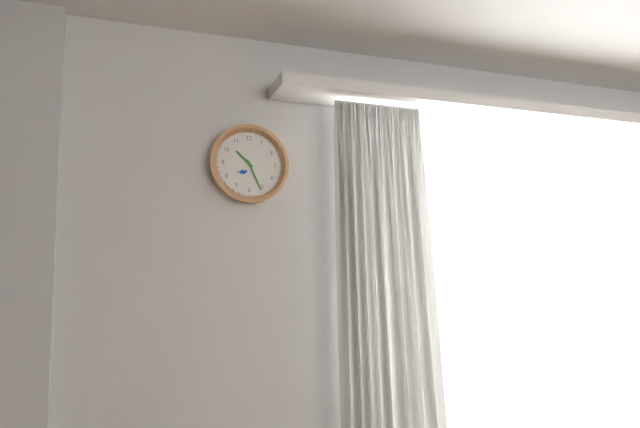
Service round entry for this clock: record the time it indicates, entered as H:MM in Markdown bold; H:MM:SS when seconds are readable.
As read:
**10:26**
